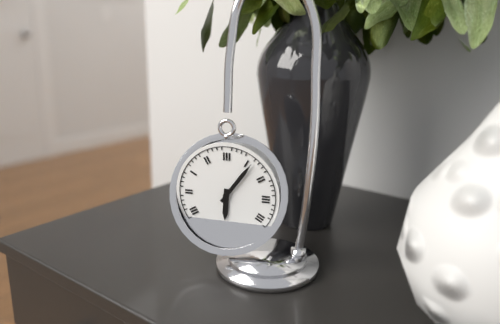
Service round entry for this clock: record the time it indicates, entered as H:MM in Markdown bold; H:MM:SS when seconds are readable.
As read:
**6:06**
